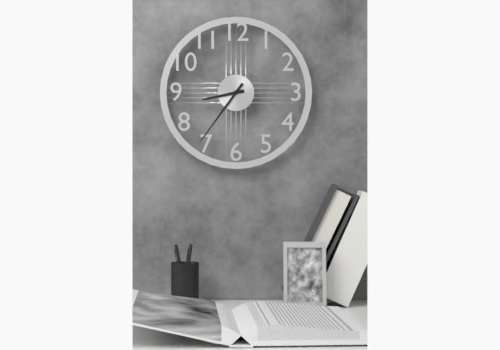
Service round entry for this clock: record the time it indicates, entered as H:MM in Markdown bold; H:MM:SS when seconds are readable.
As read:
**8:36**
